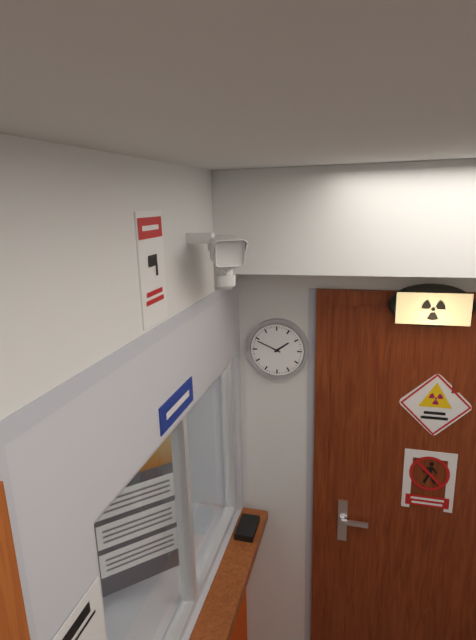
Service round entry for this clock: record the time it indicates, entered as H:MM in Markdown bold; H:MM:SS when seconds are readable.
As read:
**1:49**
